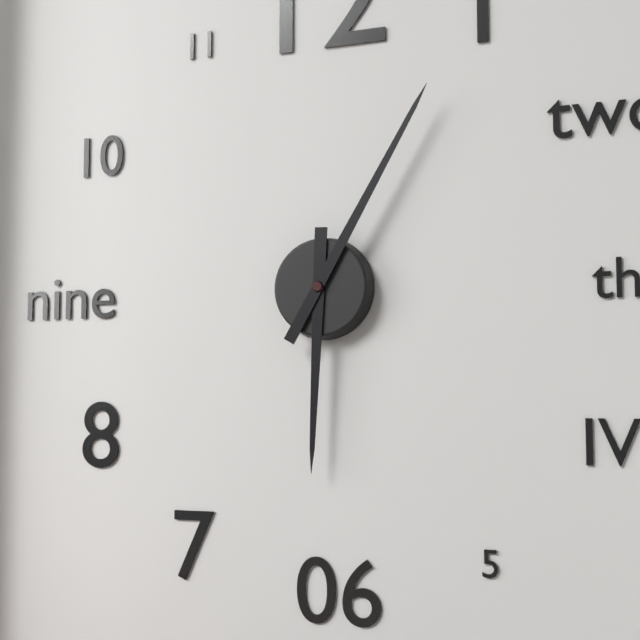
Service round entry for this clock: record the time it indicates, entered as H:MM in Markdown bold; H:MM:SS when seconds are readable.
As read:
**6:05**
